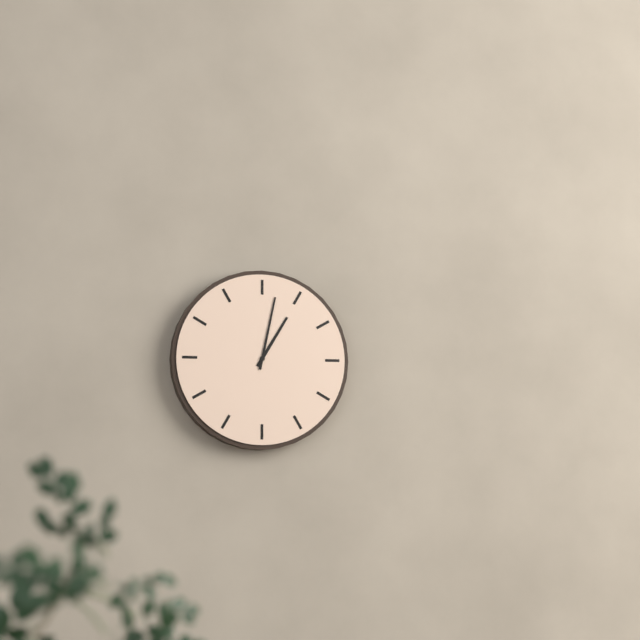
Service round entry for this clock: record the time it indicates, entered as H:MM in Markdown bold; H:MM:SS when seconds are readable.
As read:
**1:02**
